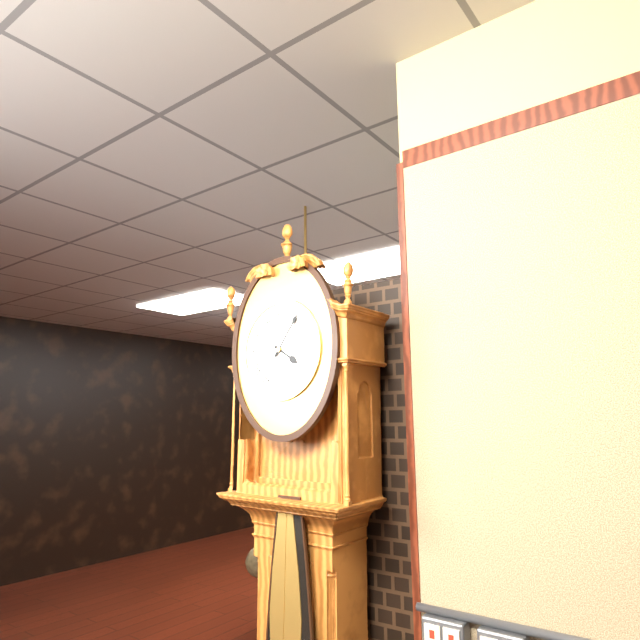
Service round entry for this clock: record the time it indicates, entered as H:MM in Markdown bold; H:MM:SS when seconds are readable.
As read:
**4:06**
